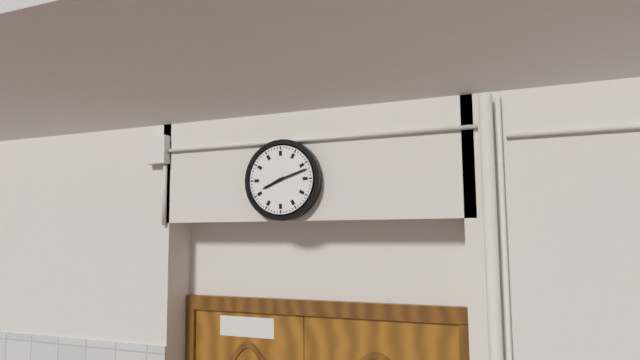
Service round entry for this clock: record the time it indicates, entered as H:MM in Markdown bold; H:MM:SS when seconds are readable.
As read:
**8:12**
